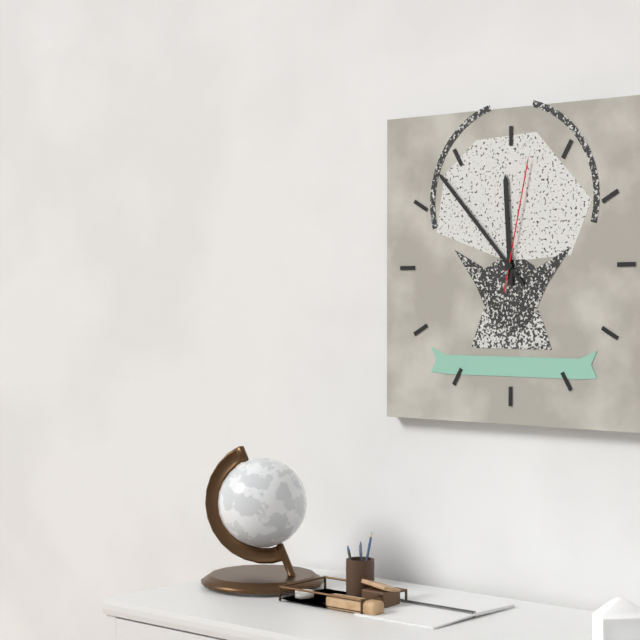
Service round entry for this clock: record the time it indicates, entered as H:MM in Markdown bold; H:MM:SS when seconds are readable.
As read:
**11:53:02**
